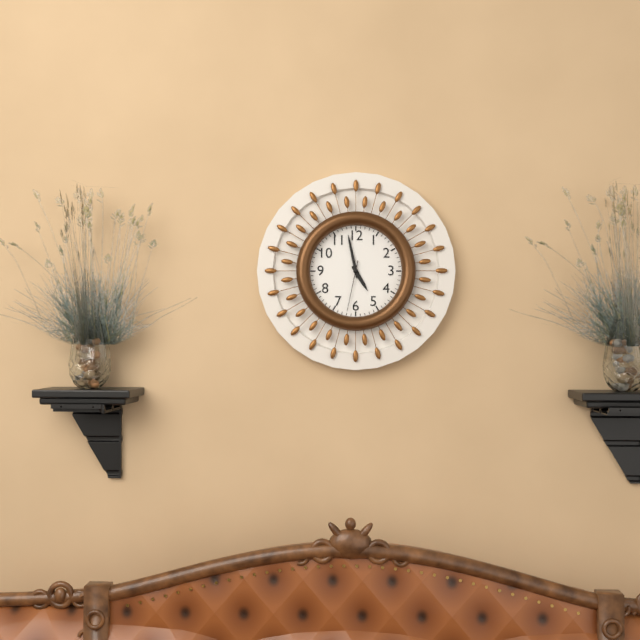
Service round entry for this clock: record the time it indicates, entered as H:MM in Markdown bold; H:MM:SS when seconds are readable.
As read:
**4:58:32**
